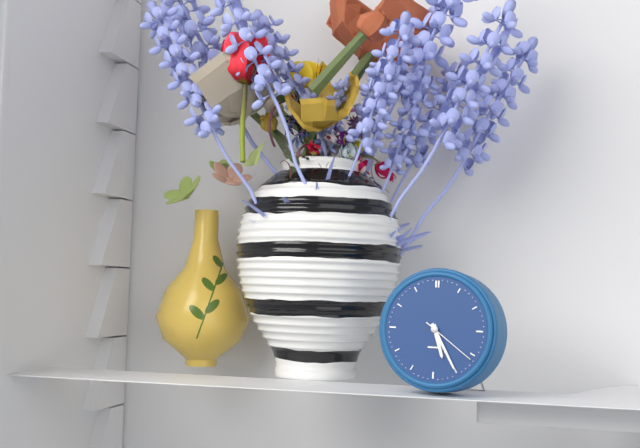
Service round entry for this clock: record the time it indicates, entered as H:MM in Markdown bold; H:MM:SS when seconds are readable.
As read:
**5:25:21**
